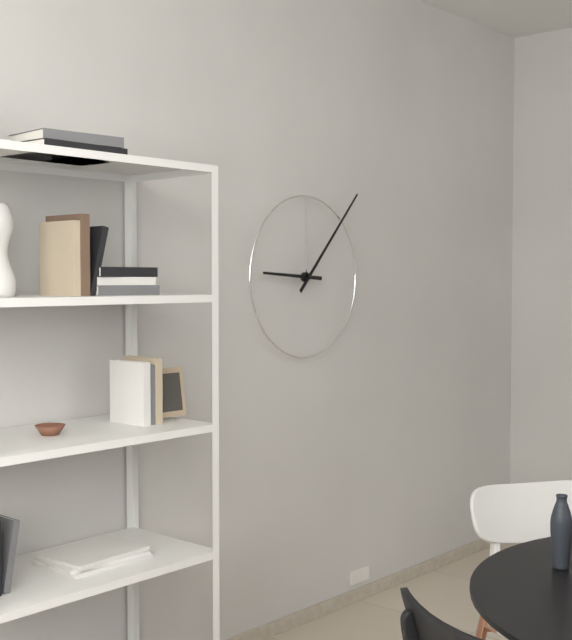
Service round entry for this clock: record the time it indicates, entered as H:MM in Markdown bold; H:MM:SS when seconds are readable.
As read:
**9:07**
